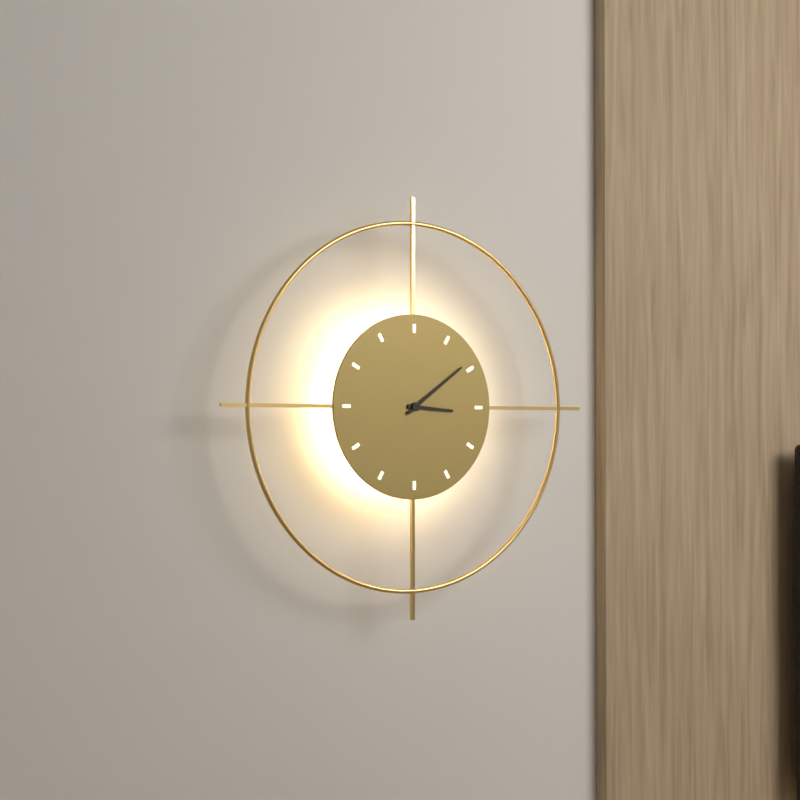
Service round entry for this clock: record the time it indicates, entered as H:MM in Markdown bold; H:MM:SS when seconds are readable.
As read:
**3:09**
